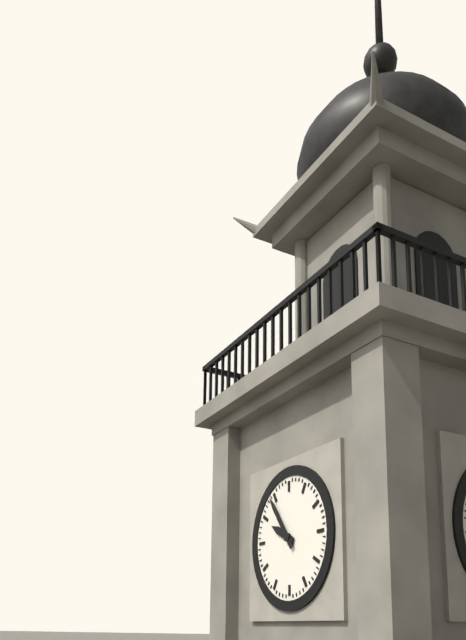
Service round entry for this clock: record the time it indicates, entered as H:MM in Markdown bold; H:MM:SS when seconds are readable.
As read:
**9:54**
